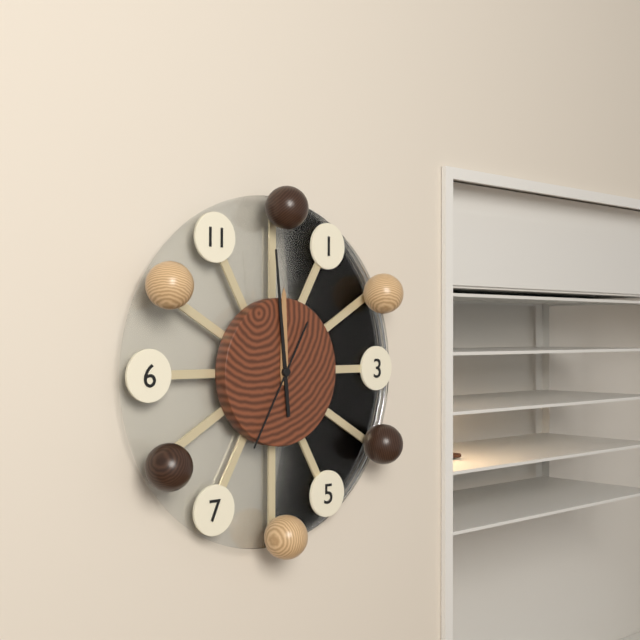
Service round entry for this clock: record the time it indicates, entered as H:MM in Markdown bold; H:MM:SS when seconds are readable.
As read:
**11:59:35**
